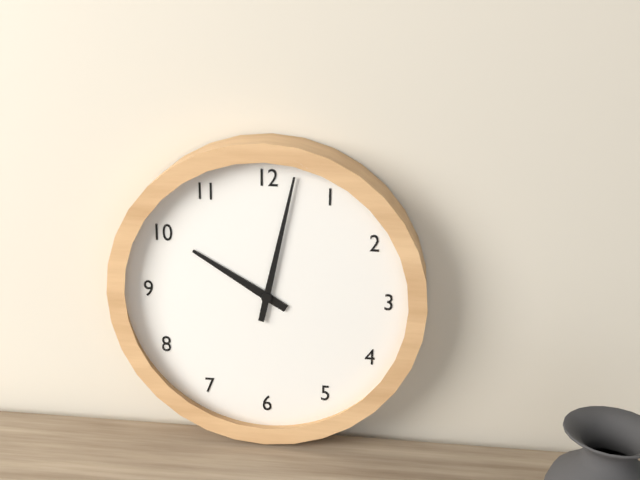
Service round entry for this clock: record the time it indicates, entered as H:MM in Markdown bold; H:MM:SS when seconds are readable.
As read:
**10:02**
